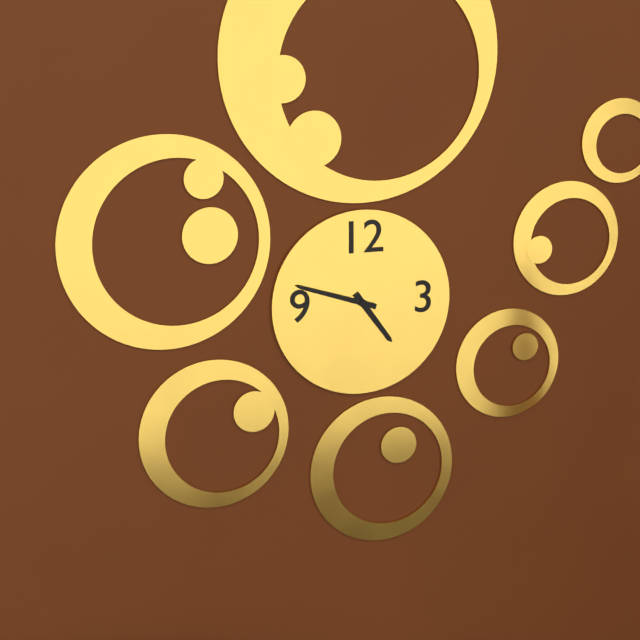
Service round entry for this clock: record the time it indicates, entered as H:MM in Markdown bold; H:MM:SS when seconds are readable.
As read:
**4:48**
